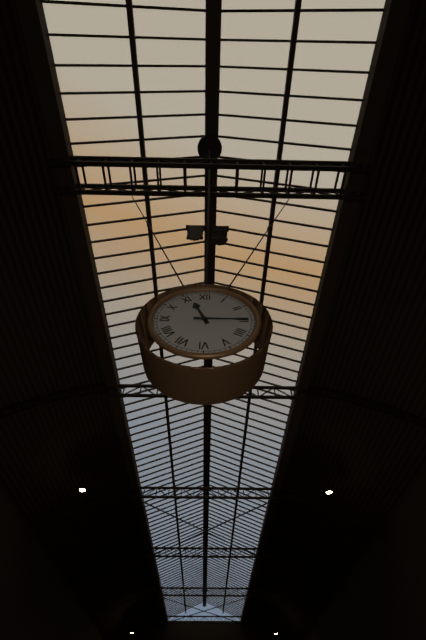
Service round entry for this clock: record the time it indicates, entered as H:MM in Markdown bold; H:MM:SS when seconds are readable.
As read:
**11:15**
